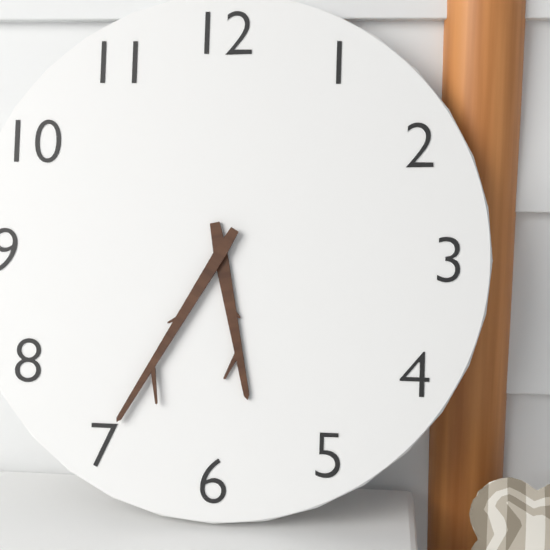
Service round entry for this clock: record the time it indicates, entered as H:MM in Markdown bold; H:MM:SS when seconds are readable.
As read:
**5:35**
